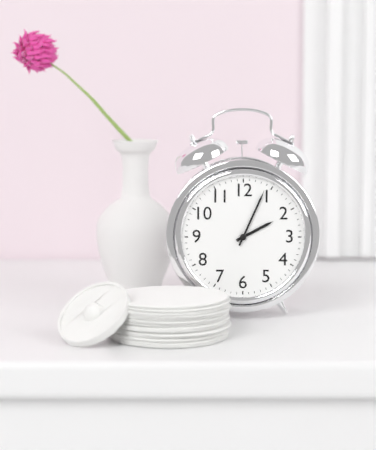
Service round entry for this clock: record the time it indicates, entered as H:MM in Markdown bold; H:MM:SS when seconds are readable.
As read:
**2:04**
